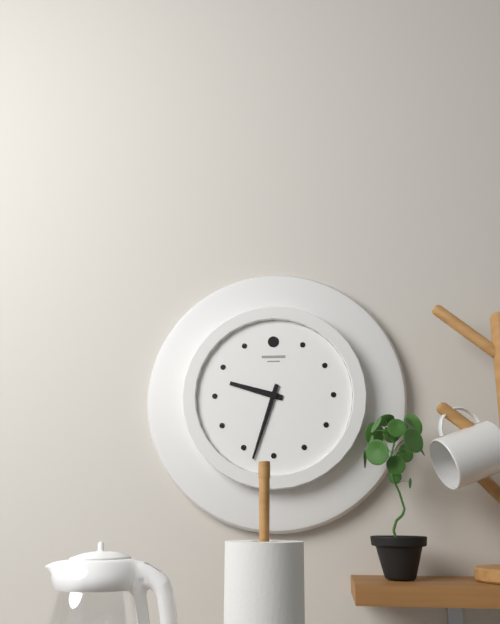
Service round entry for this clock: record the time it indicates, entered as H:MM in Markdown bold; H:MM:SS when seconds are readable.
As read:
**9:33**
